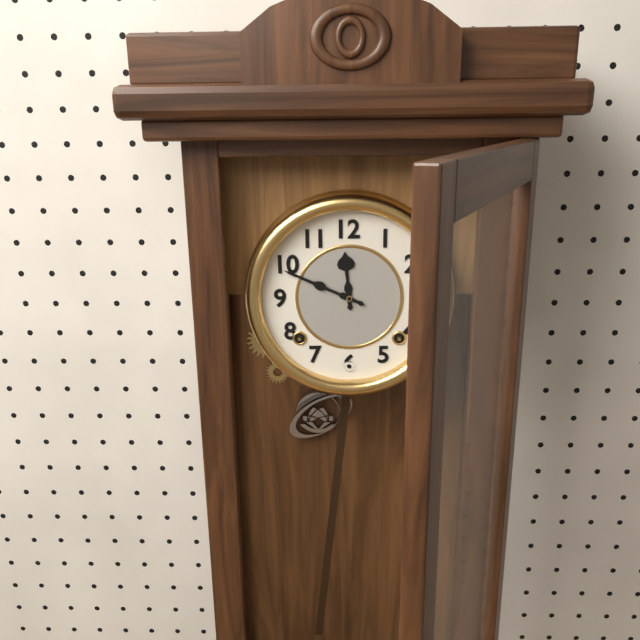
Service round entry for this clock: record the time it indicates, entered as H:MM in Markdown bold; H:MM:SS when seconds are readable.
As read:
**11:49**
